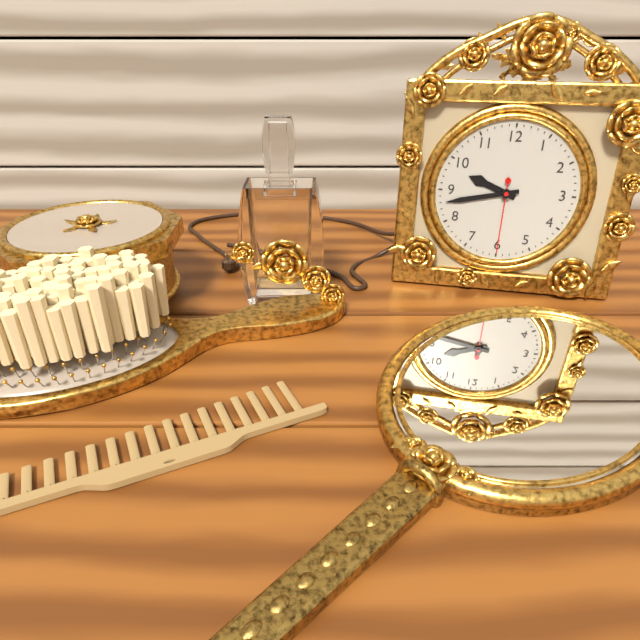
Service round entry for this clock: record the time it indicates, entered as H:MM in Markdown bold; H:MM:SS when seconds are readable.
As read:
**9:43:30**
